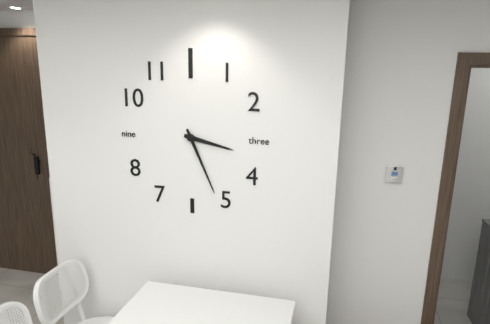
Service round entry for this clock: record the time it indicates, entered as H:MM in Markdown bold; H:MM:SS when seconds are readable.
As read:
**3:26**
